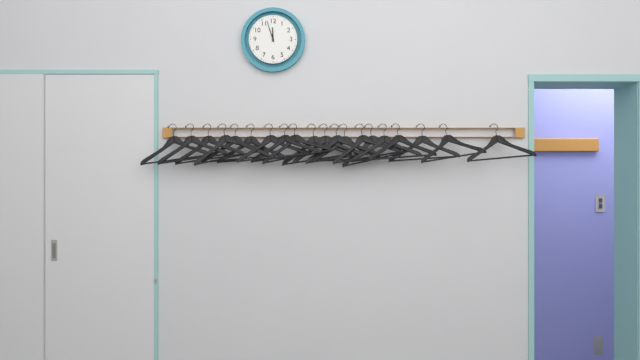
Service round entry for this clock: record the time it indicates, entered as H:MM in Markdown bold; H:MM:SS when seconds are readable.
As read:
**11:57**
